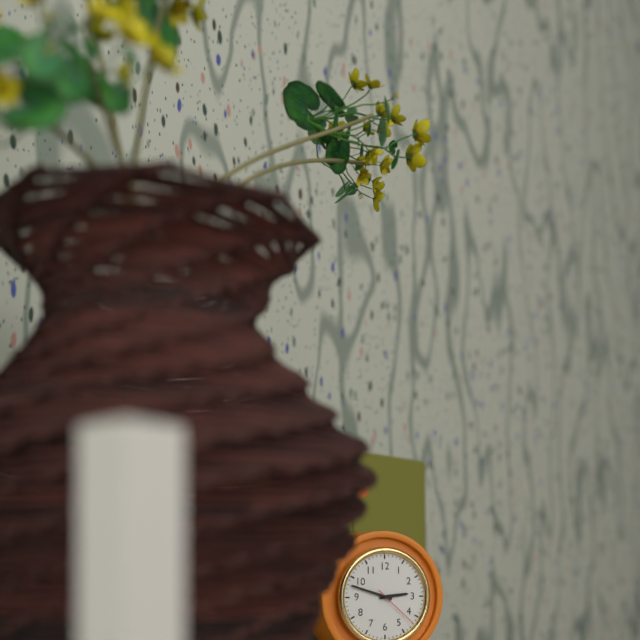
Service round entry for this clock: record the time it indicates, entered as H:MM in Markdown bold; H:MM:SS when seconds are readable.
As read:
**2:48**
